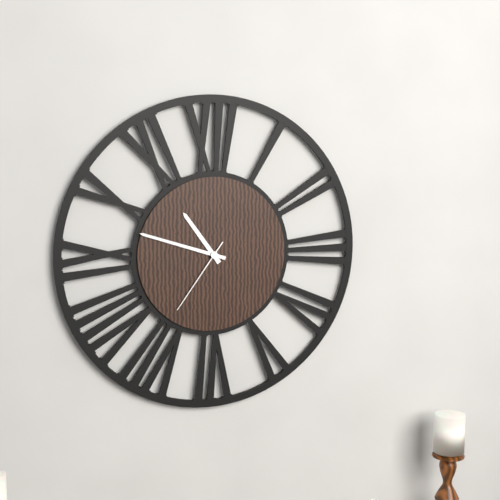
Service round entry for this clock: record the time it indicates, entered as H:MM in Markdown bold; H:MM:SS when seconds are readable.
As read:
**10:48:36**
